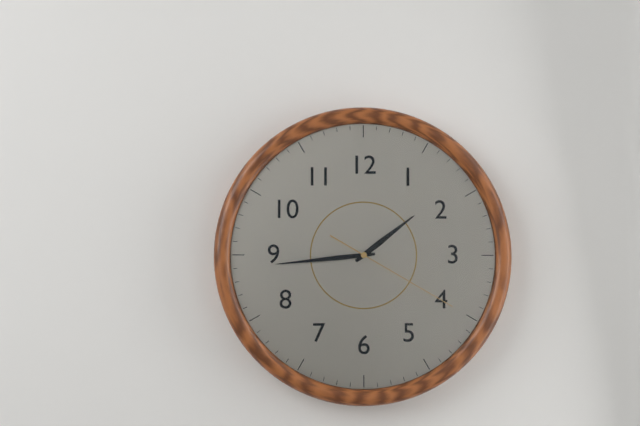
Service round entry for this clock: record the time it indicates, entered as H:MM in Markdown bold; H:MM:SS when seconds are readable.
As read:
**1:44:20**
